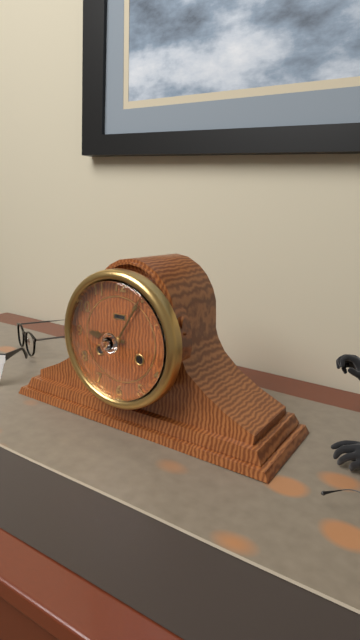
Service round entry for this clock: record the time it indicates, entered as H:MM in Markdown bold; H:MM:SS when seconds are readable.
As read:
**9:05**
